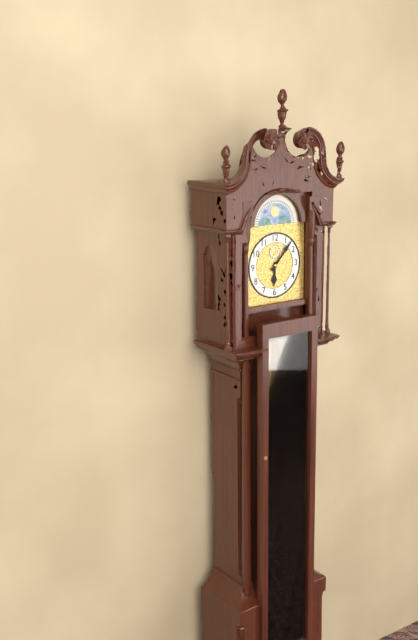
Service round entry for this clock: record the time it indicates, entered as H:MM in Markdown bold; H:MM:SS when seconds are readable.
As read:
**6:07**
